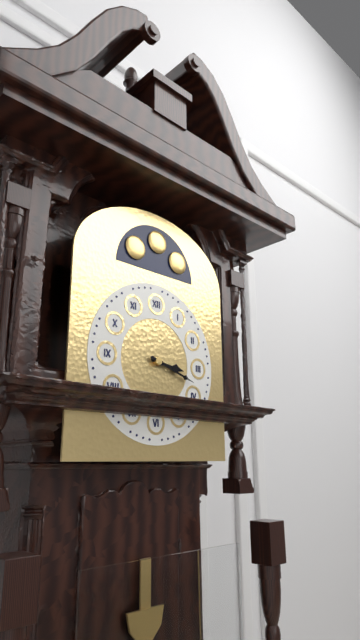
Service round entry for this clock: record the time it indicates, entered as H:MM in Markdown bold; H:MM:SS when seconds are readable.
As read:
**3:18**
